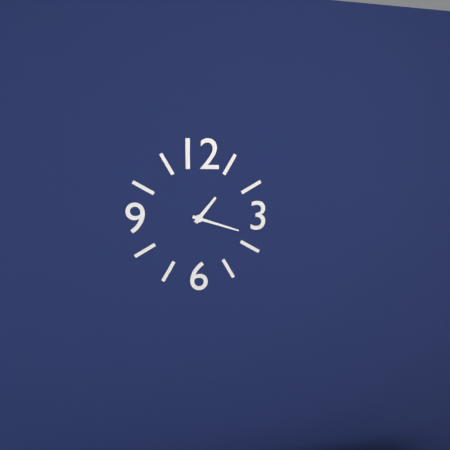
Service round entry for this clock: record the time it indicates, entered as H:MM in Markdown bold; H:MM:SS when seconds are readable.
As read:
**1:18**
